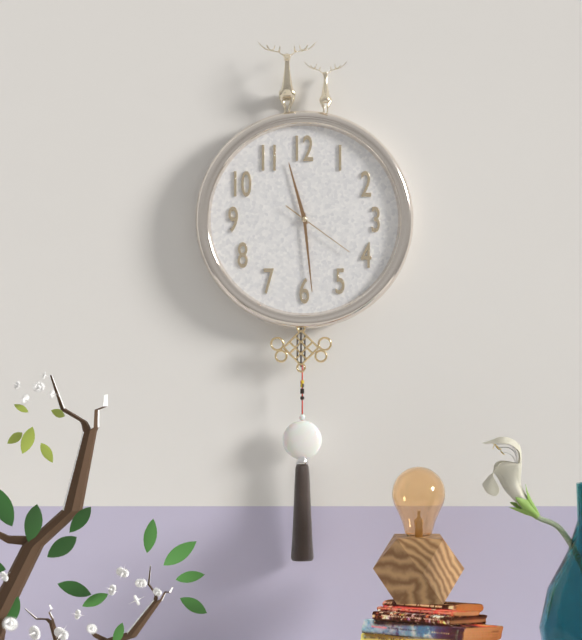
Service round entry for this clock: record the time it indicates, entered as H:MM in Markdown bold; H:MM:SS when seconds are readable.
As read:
**11:29:21**
